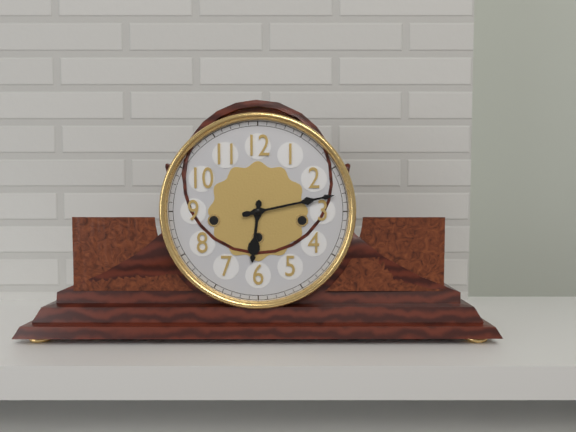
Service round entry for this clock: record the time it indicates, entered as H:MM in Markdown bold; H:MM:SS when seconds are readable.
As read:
**6:13**
